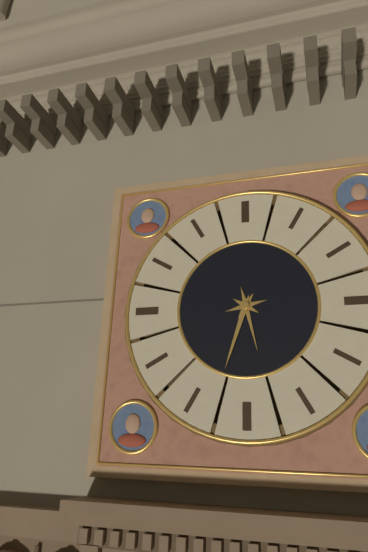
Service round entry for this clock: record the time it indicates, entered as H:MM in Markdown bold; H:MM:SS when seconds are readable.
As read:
**5:33**
